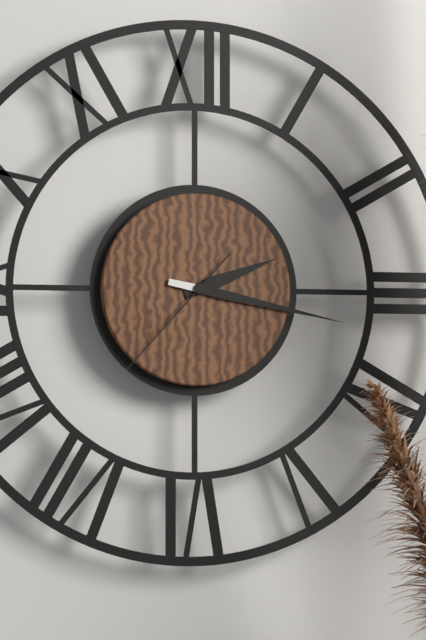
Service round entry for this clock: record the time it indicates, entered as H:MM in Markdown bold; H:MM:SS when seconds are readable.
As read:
**2:17:37**
